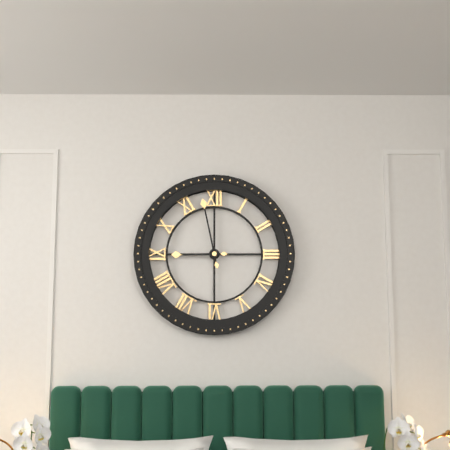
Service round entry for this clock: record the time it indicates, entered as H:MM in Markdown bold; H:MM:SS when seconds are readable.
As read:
**8:58**
